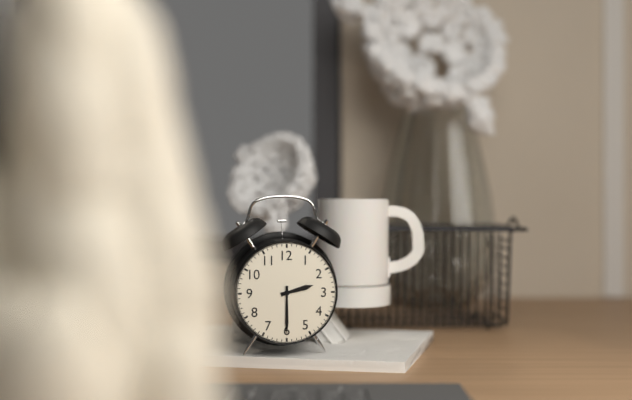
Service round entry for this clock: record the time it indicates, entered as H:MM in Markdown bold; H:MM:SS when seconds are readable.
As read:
**2:30**
